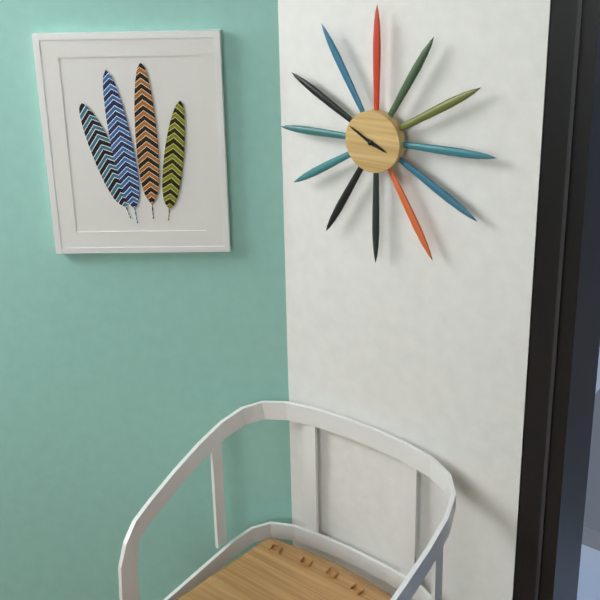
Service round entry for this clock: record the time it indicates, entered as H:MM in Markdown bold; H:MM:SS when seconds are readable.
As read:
**3:50**
